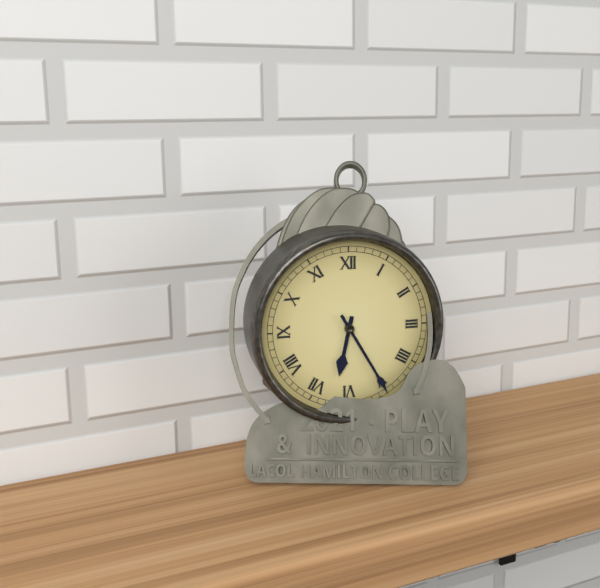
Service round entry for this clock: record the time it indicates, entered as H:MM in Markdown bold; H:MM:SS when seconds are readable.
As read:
**6:25**
